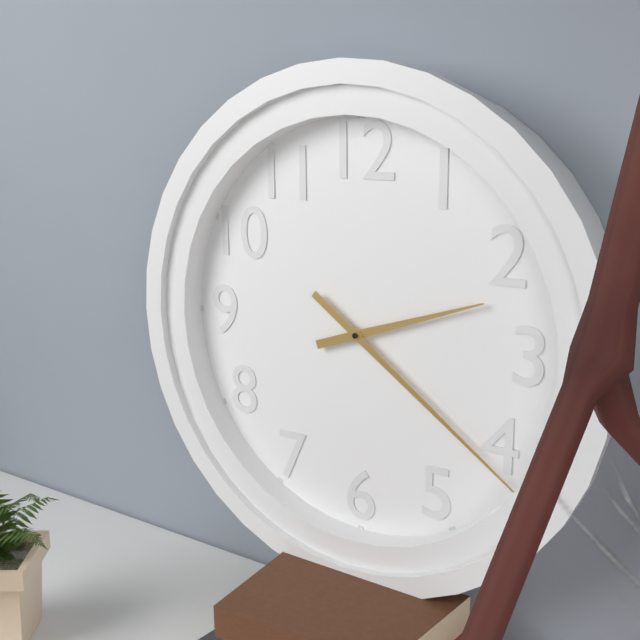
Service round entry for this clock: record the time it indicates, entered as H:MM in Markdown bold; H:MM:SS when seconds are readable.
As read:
**2:21**
